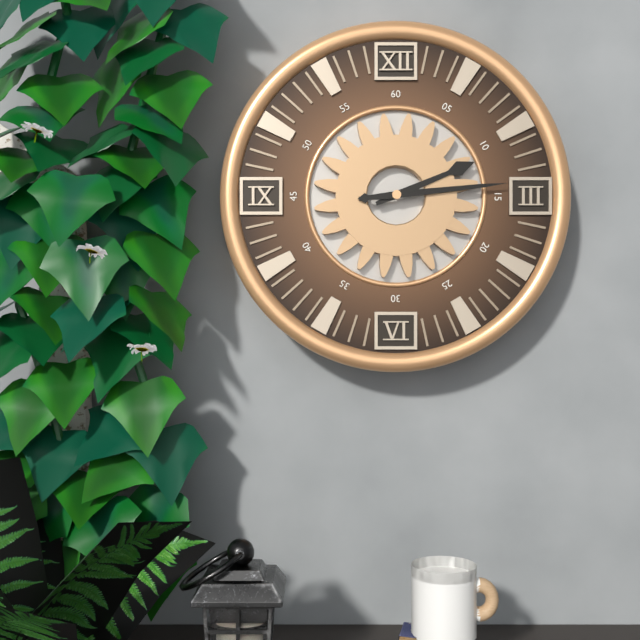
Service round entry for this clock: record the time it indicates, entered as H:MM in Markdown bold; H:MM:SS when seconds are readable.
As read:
**2:14**
